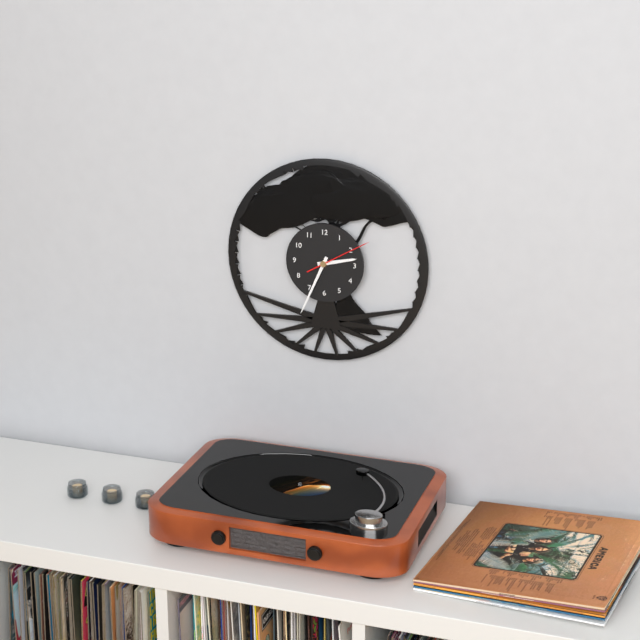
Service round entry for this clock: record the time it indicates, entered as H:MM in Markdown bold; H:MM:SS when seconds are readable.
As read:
**2:34:10**
